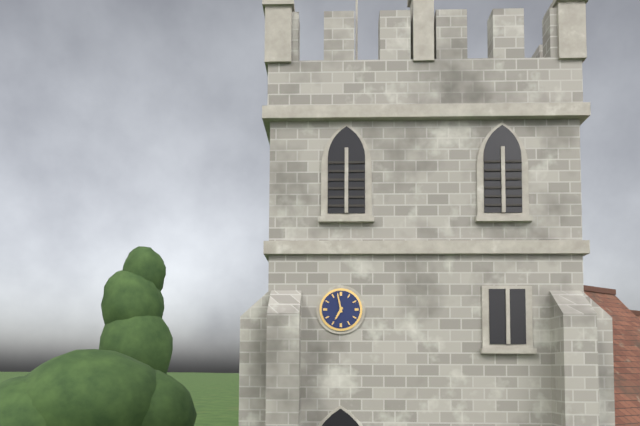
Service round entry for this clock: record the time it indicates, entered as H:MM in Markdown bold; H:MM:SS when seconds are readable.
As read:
**6:58**
